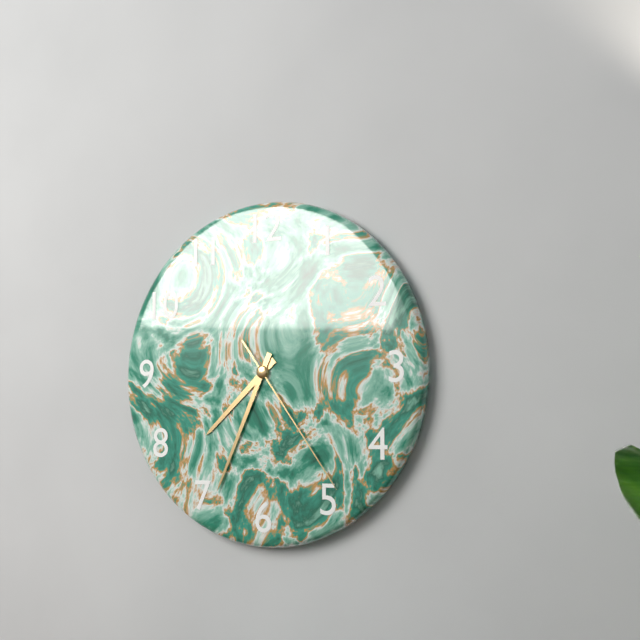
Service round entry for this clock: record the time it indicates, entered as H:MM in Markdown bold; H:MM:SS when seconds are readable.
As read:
**7:34:24**
